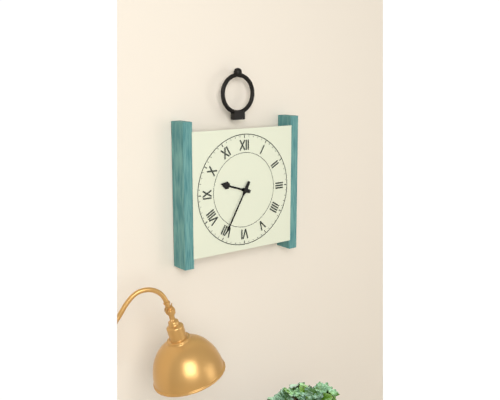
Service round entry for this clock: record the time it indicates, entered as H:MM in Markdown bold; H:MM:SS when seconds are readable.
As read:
**9:35**
